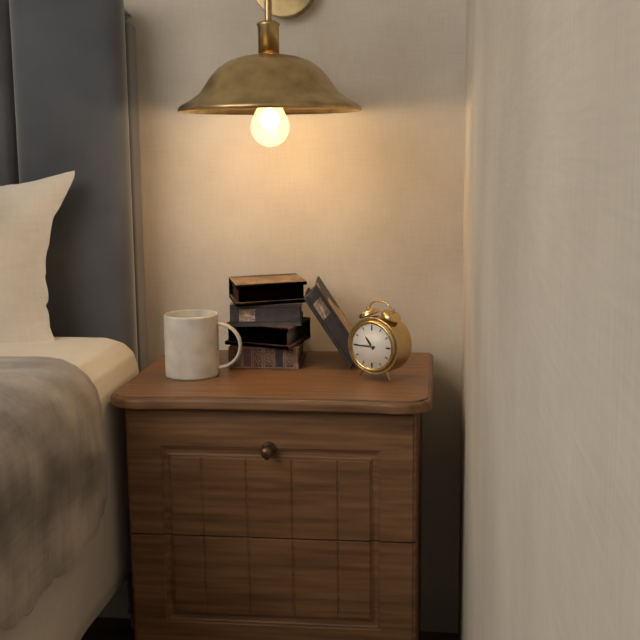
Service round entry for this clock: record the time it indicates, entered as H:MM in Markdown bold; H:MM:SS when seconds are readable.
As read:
**10:45**
